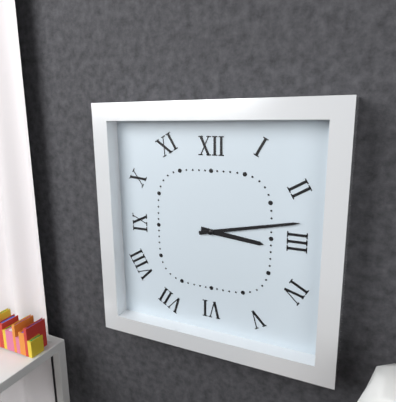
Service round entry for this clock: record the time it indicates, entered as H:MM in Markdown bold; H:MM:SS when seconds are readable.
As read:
**3:13**
